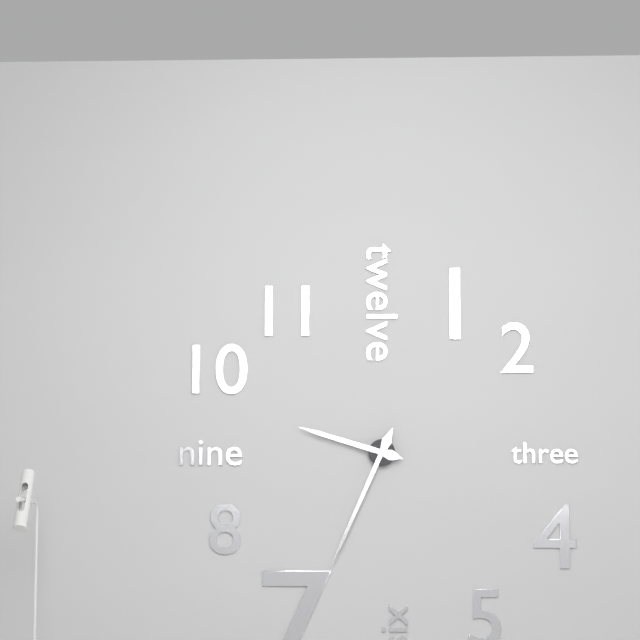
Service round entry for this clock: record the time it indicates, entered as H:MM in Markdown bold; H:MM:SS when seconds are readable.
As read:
**9:34**
